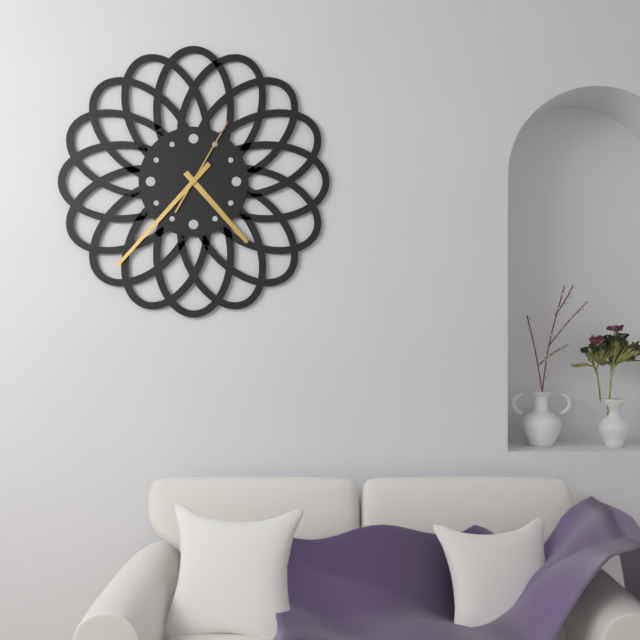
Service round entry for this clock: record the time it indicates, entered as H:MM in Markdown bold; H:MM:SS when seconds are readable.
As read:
**4:37:05**
